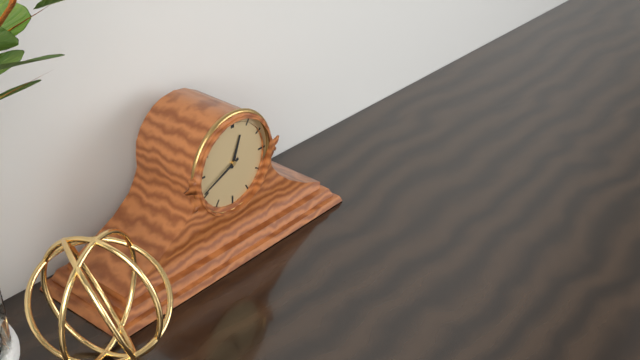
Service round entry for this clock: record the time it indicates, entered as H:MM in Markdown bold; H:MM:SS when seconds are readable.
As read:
**12:41**
